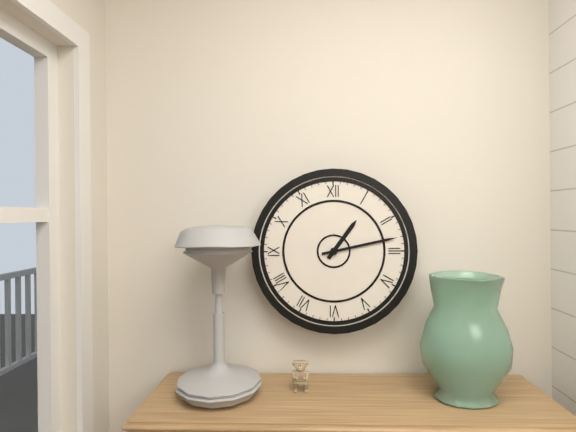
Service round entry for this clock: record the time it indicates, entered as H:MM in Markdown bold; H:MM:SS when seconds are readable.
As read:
**1:13**
